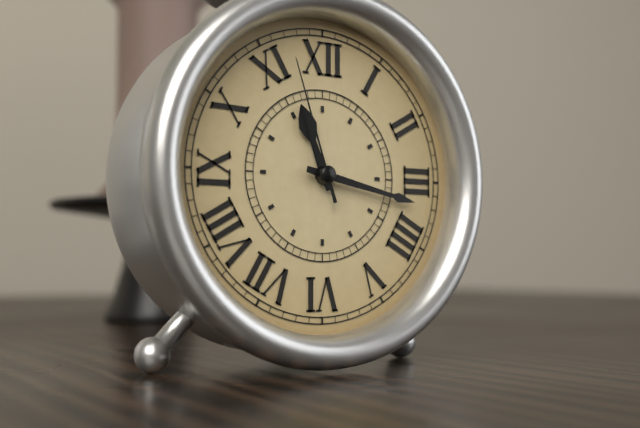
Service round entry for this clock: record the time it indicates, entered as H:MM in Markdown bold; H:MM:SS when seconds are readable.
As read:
**11:17:57**
